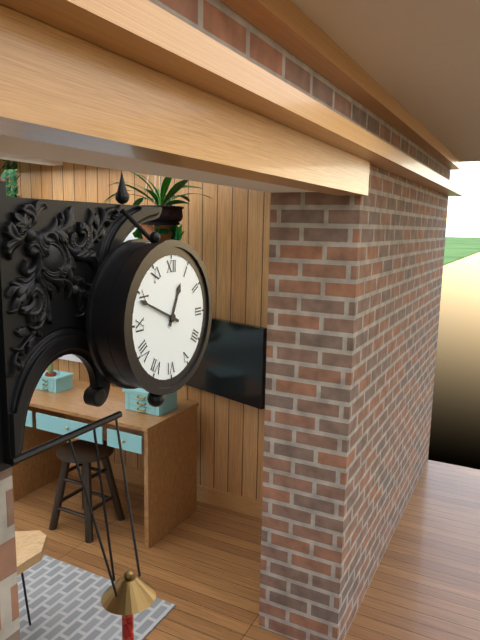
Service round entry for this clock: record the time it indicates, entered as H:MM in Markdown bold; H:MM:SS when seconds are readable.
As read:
**12:49**
